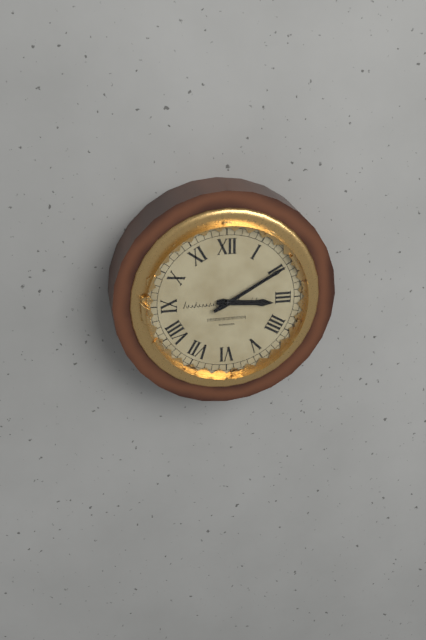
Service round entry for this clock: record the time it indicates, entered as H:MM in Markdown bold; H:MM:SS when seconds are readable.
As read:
**3:10**
